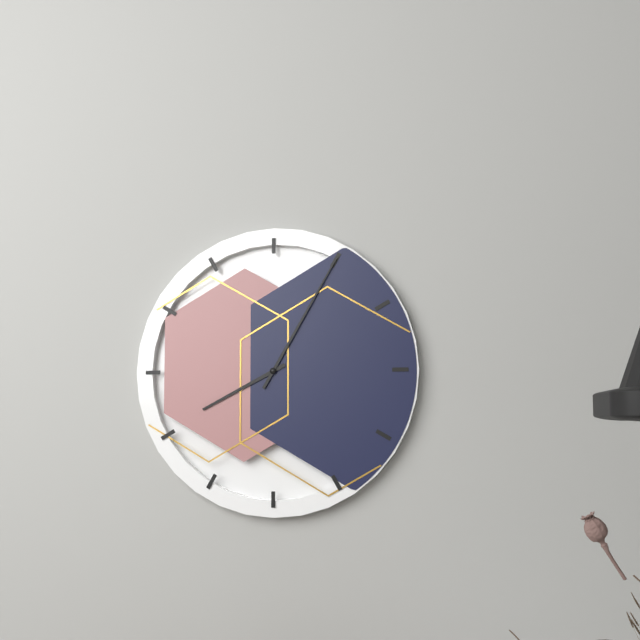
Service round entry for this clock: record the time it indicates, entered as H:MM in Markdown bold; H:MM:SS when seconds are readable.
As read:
**8:05**
